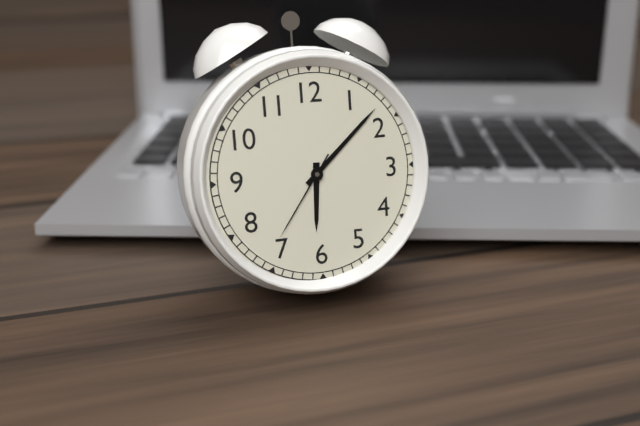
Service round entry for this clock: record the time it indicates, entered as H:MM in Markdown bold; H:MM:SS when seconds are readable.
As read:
**6:08:36**
